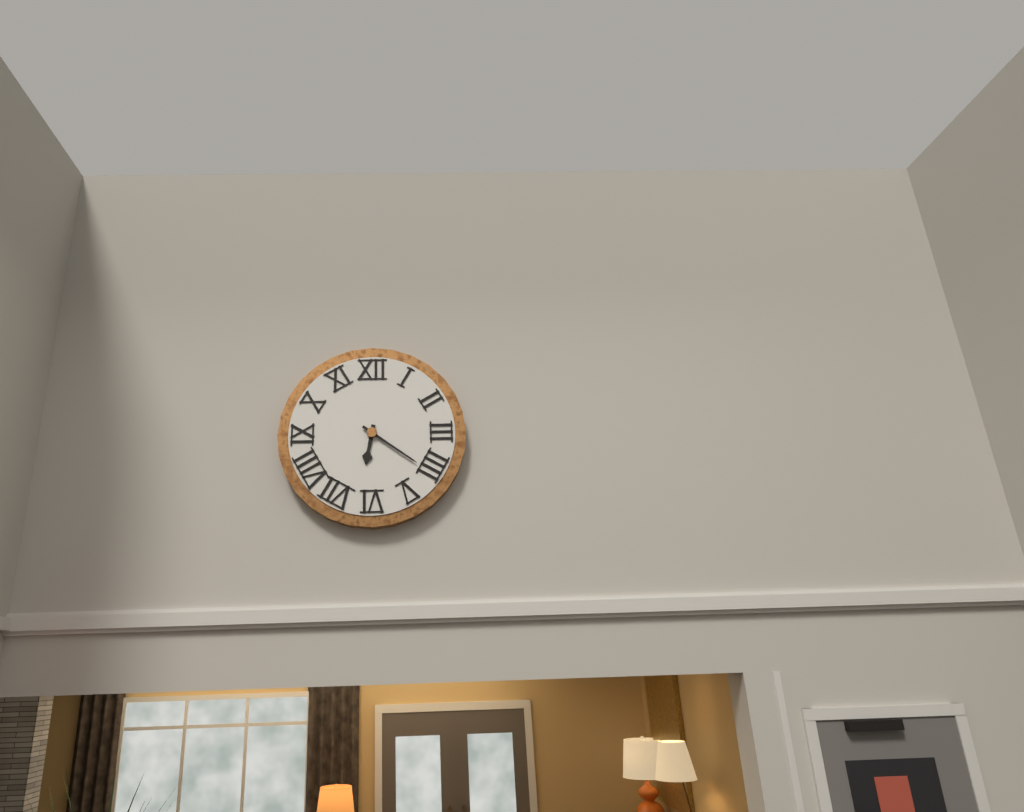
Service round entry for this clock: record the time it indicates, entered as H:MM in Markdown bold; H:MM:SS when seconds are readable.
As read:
**6:21**
